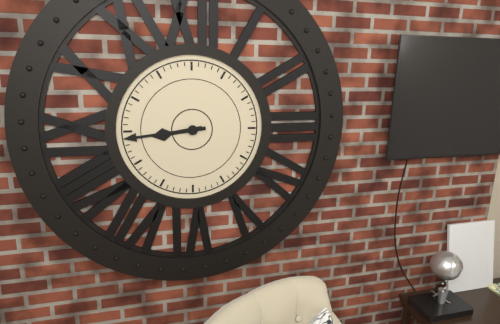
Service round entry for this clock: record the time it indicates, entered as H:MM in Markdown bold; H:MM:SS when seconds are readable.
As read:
**8:44**
